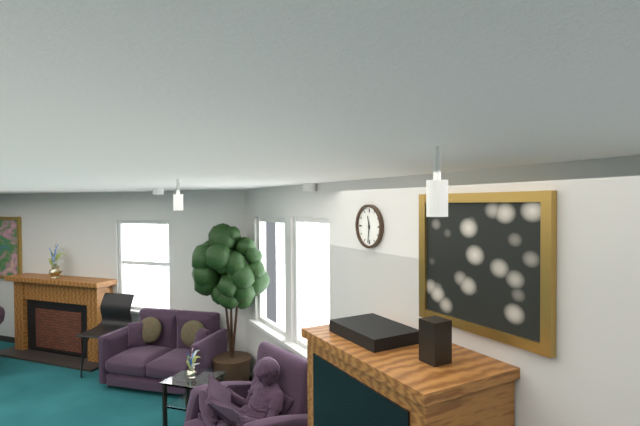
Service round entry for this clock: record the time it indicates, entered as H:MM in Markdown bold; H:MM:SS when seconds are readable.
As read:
**11:31**
